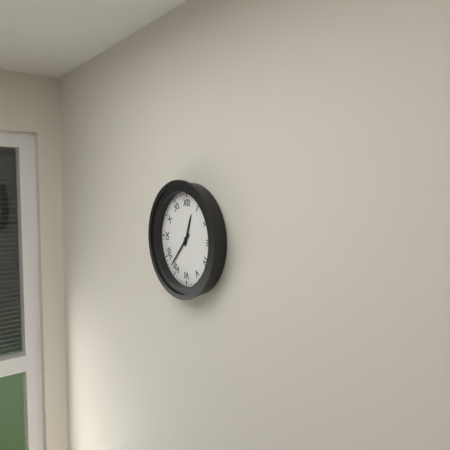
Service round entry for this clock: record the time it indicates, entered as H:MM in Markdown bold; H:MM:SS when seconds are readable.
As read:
**12:37**
